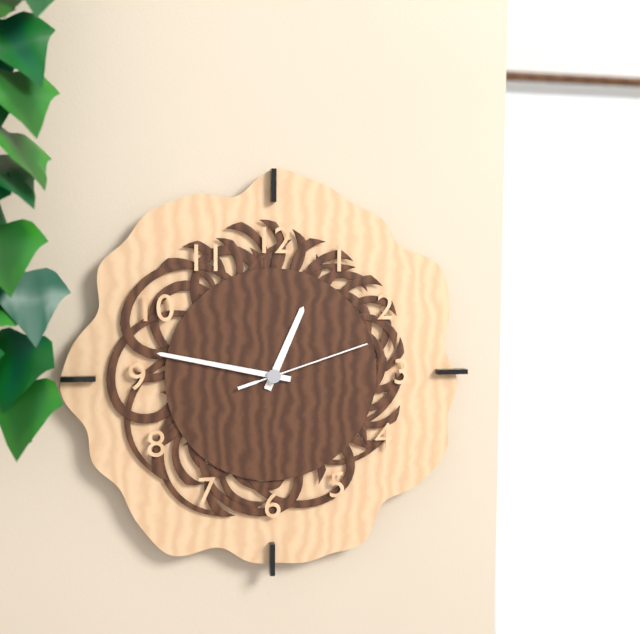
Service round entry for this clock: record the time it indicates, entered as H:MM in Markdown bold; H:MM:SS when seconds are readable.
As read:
**12:47:12**
